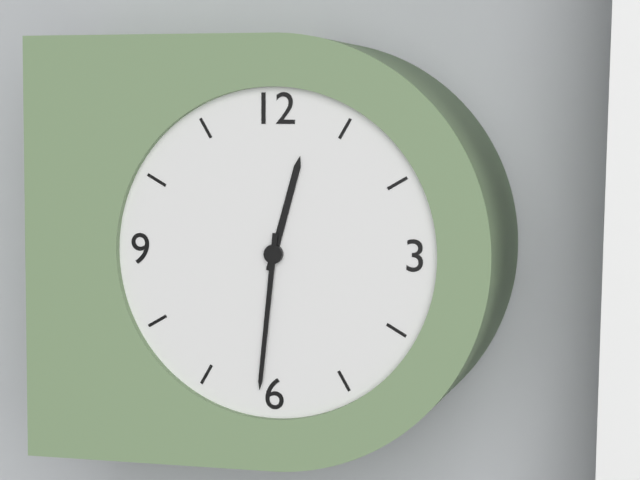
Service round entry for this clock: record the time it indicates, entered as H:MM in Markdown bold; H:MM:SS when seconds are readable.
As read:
**12:31**
